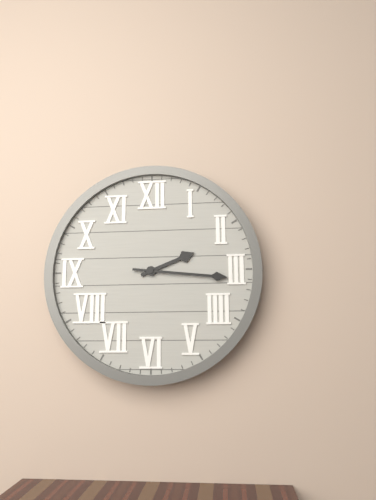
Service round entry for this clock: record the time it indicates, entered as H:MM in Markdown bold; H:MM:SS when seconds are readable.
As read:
**2:16**
